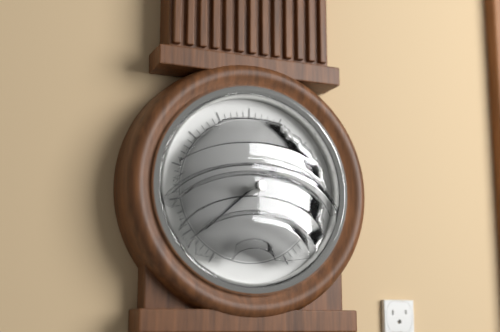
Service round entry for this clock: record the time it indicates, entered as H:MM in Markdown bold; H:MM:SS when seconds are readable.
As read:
**1:38**
